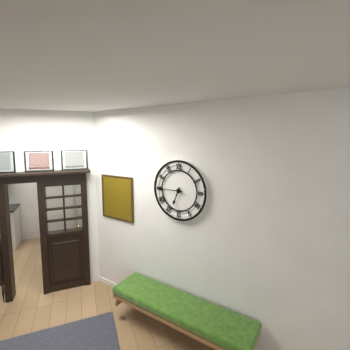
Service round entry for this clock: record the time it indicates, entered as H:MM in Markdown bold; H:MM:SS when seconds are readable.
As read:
**6:45**
